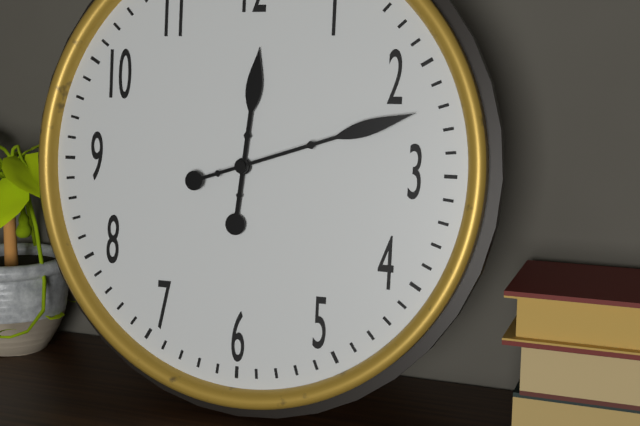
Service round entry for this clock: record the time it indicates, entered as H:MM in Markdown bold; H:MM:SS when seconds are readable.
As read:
**12:12**
